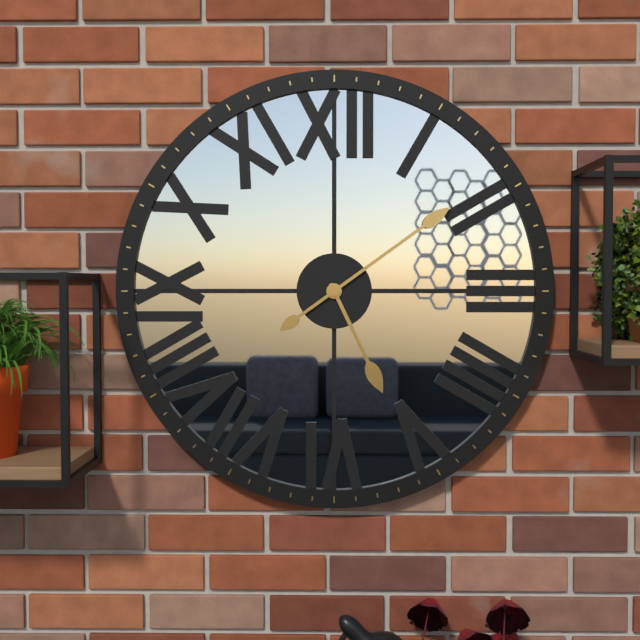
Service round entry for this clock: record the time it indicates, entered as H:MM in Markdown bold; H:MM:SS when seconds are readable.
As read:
**5:09**
